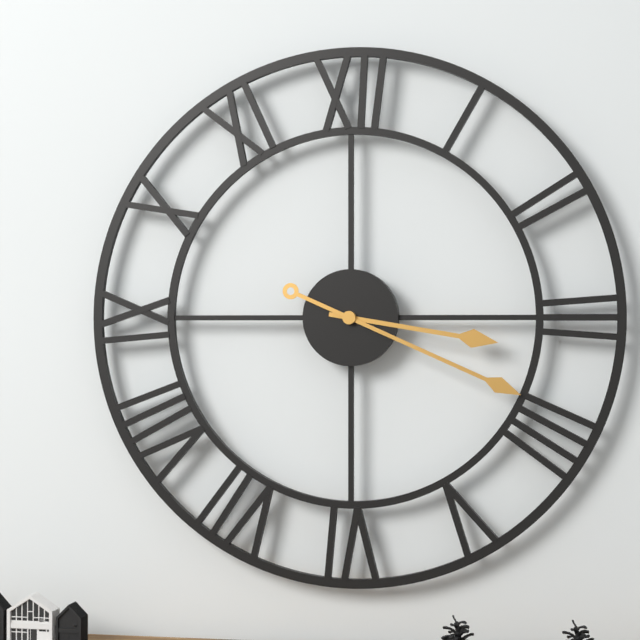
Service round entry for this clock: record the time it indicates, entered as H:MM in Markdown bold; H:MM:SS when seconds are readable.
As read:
**3:19**
